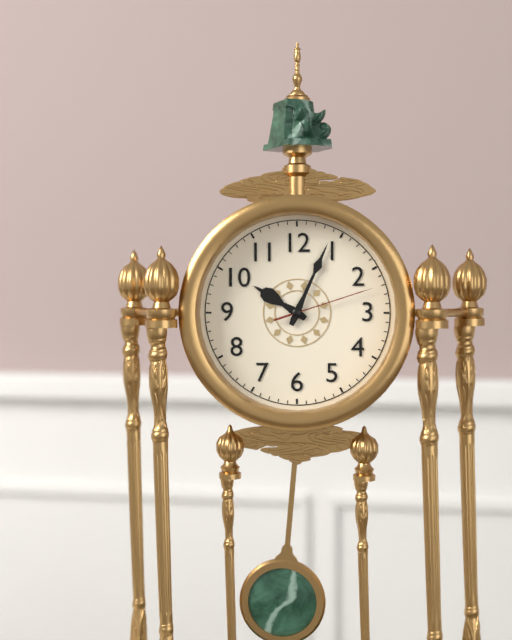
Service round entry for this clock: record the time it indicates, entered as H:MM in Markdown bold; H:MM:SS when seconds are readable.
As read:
**10:04:12**
